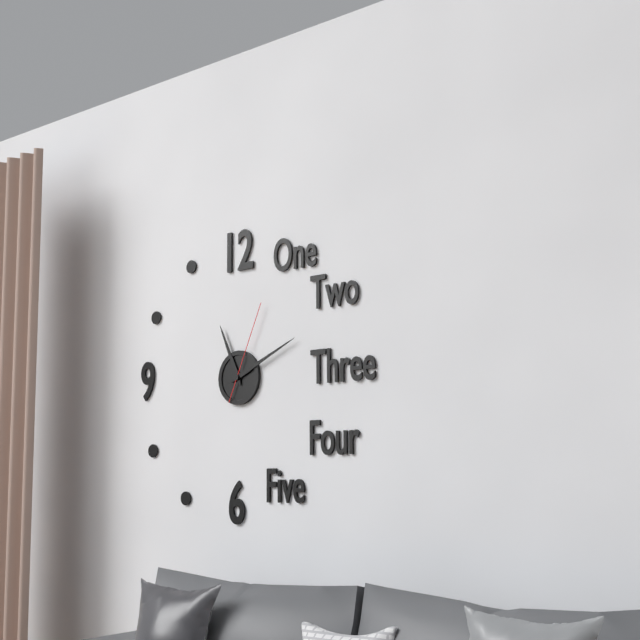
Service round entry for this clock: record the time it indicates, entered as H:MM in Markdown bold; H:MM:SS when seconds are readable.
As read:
**11:11:04**
